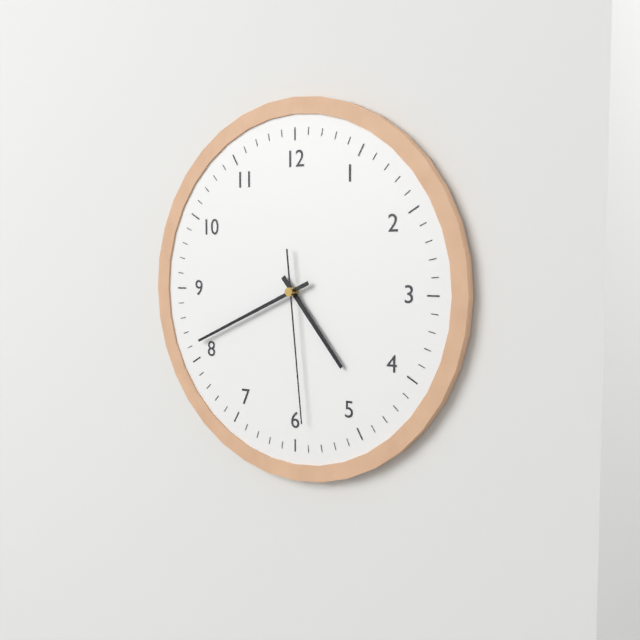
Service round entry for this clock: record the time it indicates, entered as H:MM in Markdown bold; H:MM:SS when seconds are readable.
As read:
**4:41:29**
